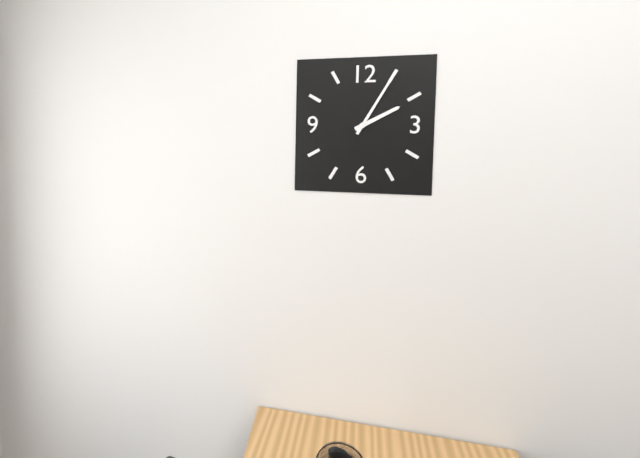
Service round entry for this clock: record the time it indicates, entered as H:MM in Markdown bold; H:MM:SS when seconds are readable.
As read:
**2:05**
